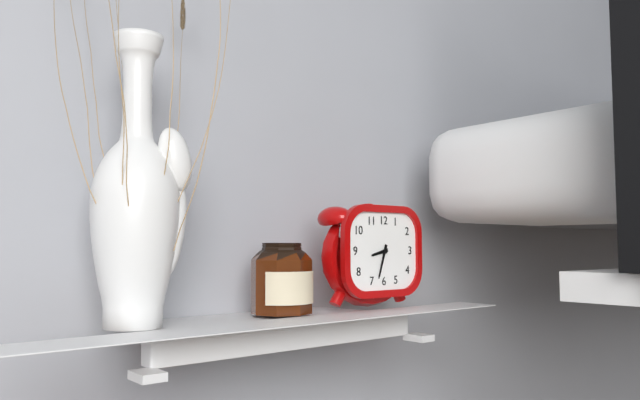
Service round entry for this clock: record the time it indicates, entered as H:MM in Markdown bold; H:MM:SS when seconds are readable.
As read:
**8:33**
